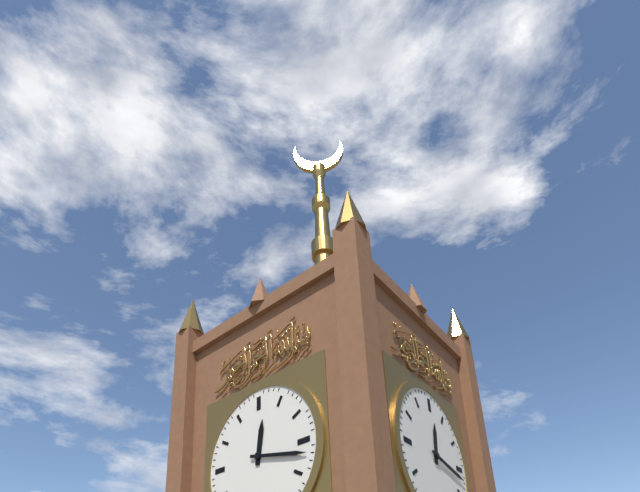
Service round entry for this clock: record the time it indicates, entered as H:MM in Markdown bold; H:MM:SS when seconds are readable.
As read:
**12:17**
